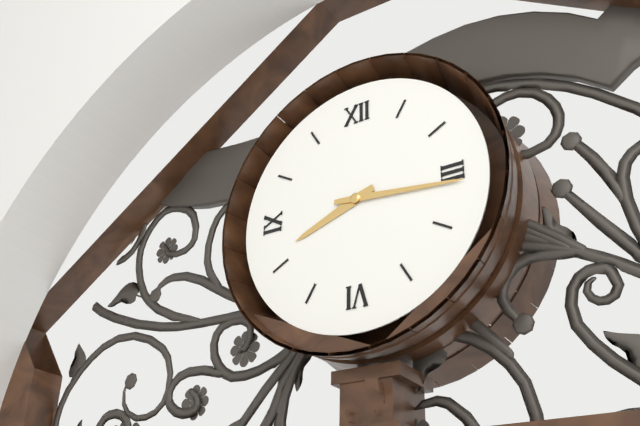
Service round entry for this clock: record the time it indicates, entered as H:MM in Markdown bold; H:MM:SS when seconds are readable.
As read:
**8:16**
